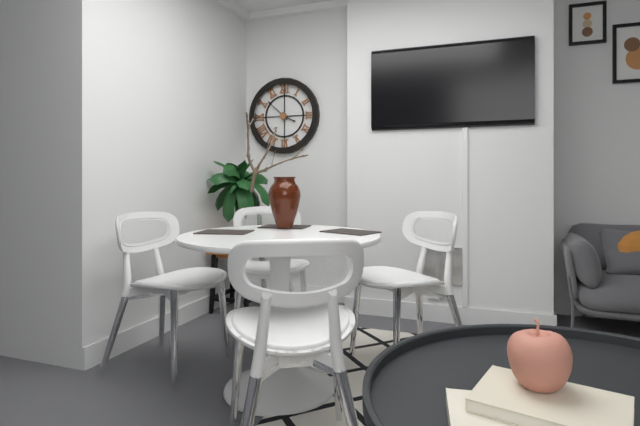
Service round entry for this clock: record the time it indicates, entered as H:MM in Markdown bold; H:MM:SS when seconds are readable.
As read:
**3:52**
